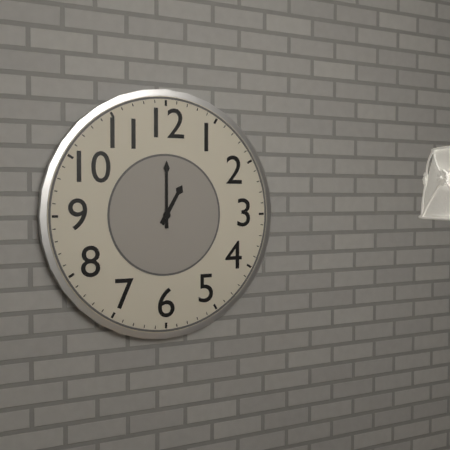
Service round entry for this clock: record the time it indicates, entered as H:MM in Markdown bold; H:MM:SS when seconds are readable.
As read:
**1:00**
